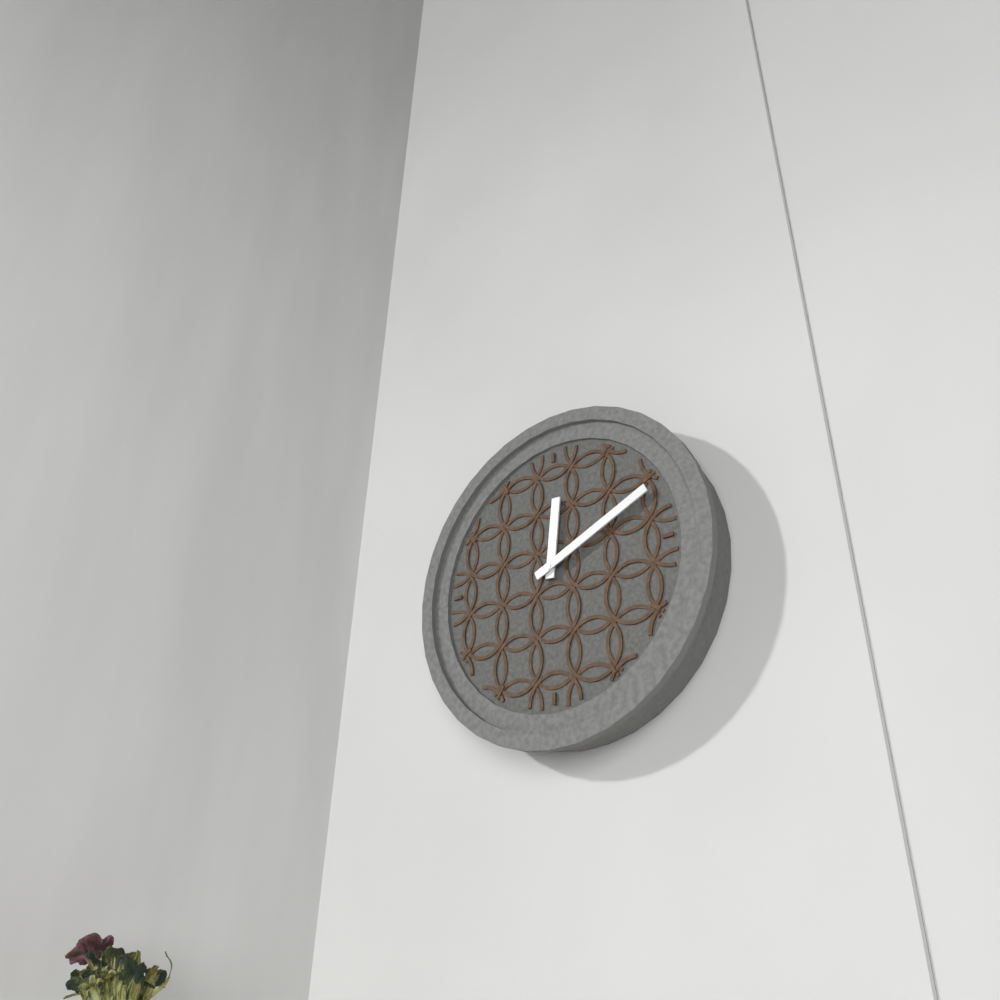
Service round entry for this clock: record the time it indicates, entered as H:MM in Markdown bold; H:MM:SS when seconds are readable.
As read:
**12:11**
